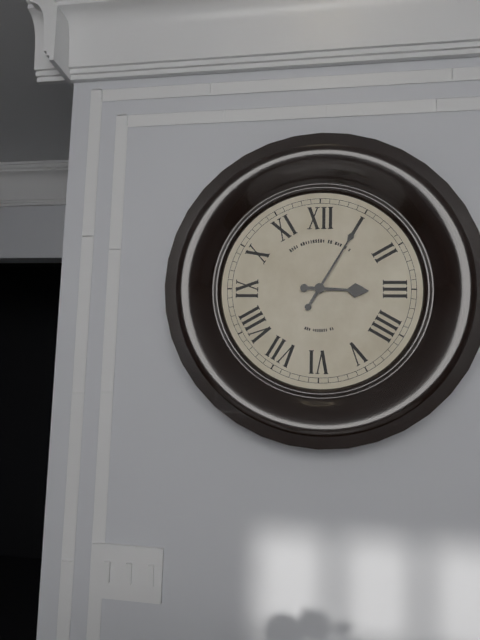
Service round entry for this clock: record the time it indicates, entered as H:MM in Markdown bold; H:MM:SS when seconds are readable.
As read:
**3:05**
